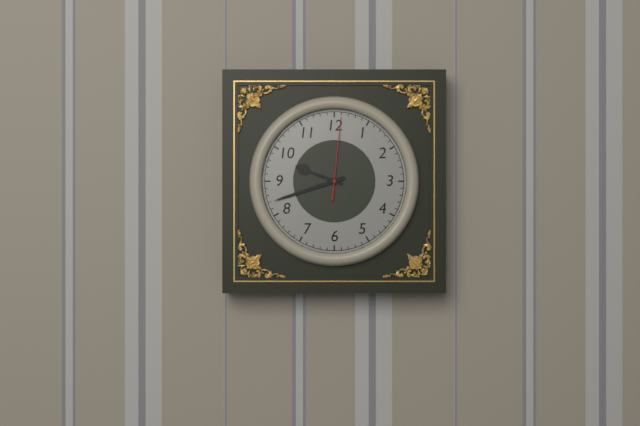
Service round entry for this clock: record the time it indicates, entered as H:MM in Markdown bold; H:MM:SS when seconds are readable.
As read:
**9:42:01**
